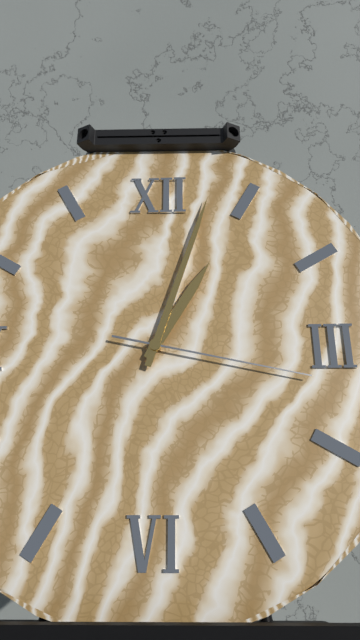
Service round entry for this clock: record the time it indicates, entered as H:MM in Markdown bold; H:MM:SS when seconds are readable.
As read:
**1:03:17**
